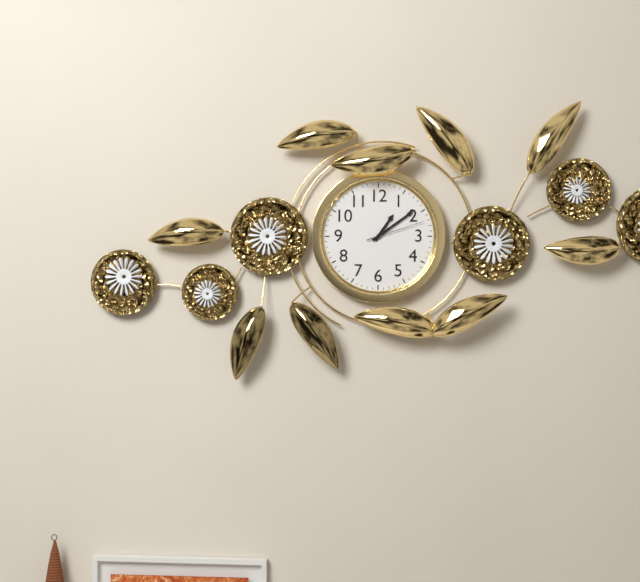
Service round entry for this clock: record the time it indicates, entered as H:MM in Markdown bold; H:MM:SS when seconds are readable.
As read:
**1:09:12**
